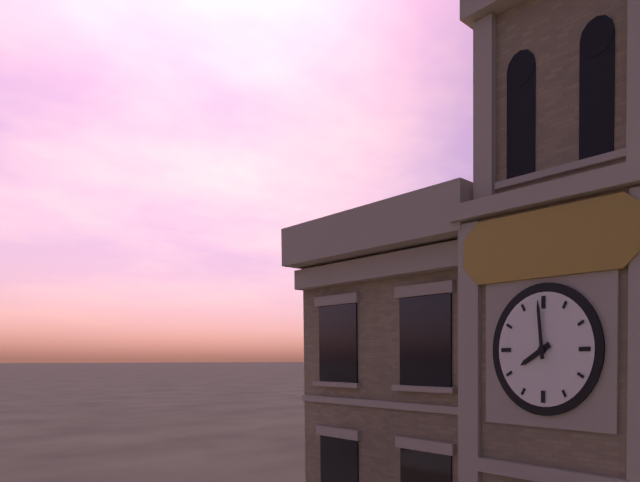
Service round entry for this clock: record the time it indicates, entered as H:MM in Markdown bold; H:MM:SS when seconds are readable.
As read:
**7:59**
